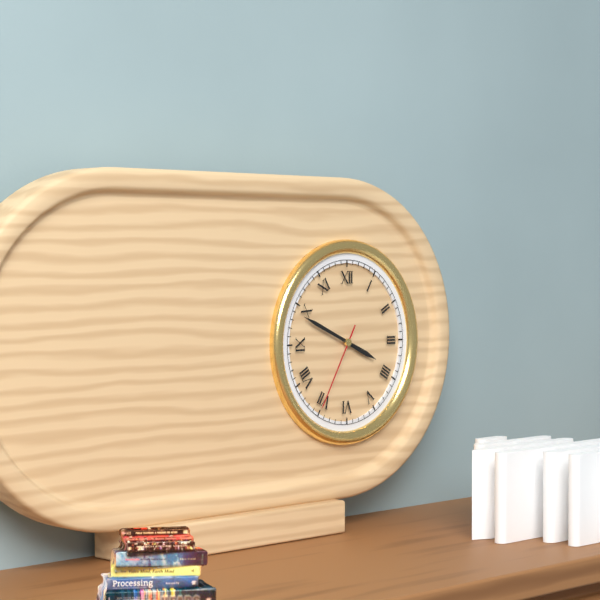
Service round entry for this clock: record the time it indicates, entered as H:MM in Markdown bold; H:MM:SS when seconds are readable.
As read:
**3:49:35**
